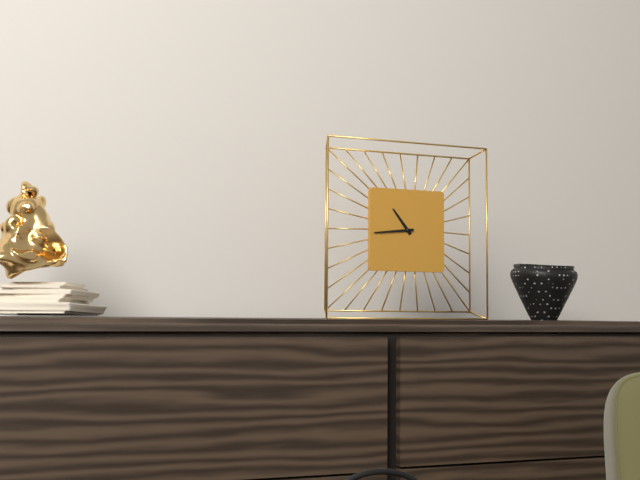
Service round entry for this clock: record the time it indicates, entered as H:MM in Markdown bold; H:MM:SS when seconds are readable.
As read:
**10:44**
